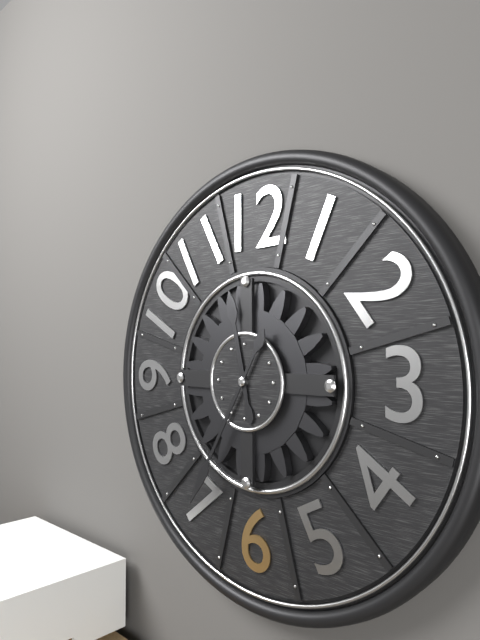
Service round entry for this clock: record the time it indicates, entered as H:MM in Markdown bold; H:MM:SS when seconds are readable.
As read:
**11:35**
